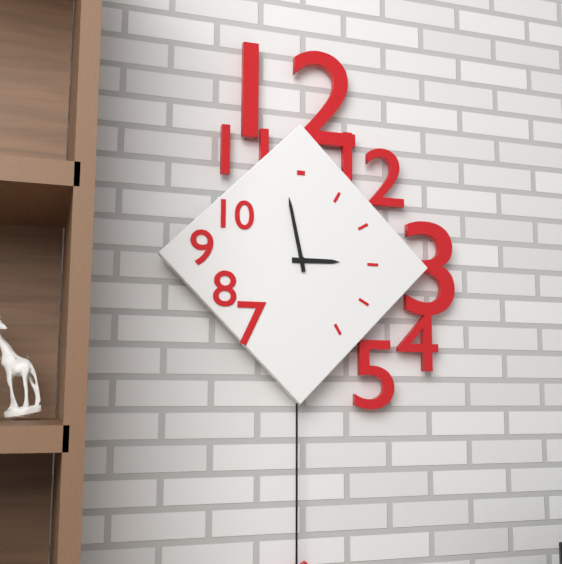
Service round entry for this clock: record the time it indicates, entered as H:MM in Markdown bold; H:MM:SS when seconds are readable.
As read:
**2:58**
